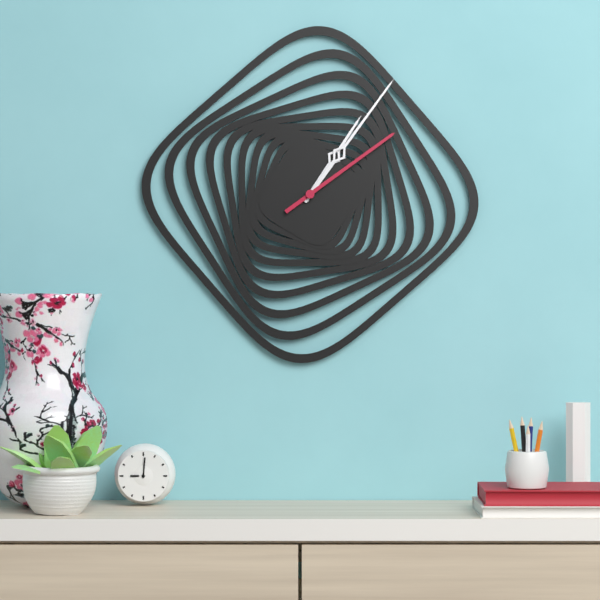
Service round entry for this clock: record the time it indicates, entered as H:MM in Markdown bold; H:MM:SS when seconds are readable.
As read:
**1:06:09**
